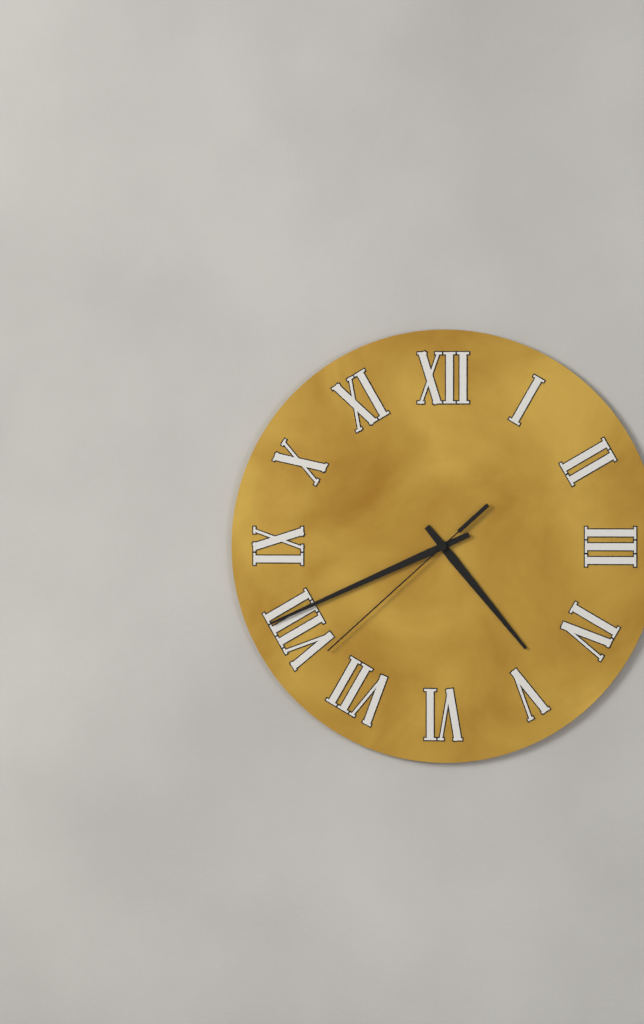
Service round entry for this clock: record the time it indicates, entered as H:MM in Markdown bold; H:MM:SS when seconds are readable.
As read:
**4:41:38**
